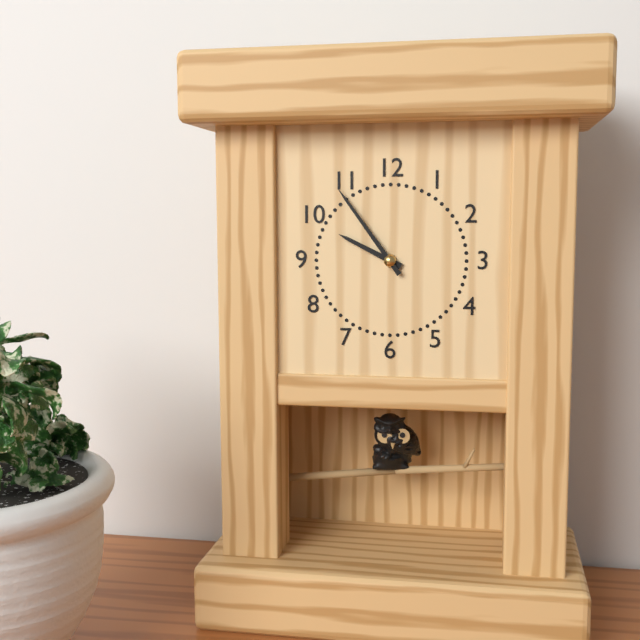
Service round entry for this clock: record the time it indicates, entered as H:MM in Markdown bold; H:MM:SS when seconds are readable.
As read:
**9:54**
